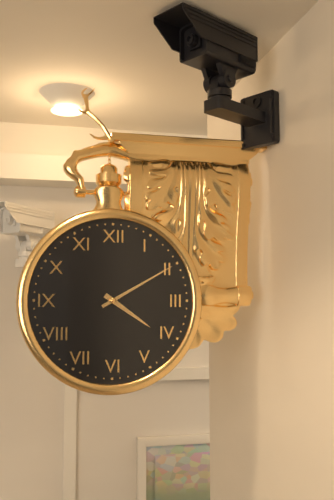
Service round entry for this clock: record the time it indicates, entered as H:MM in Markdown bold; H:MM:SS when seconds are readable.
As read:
**4:10**
